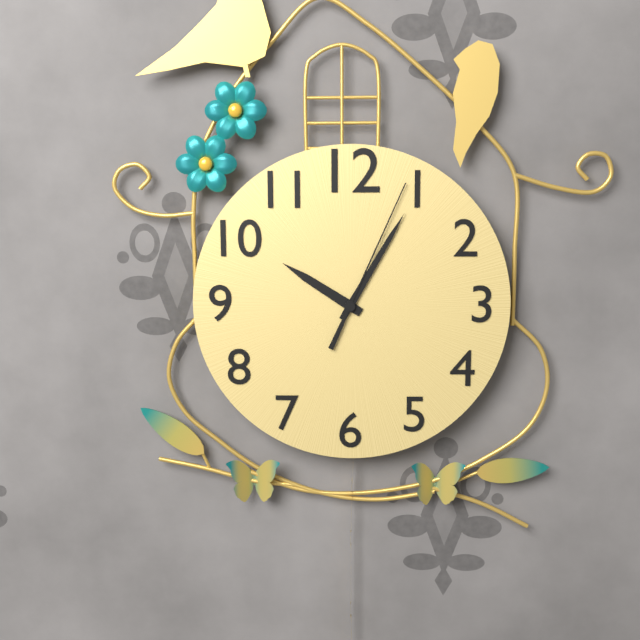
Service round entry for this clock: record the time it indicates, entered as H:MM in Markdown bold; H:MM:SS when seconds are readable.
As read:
**10:05:04**
